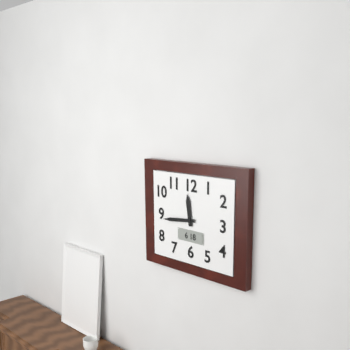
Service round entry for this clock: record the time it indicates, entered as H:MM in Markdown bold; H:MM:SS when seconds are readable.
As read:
**11:44**
